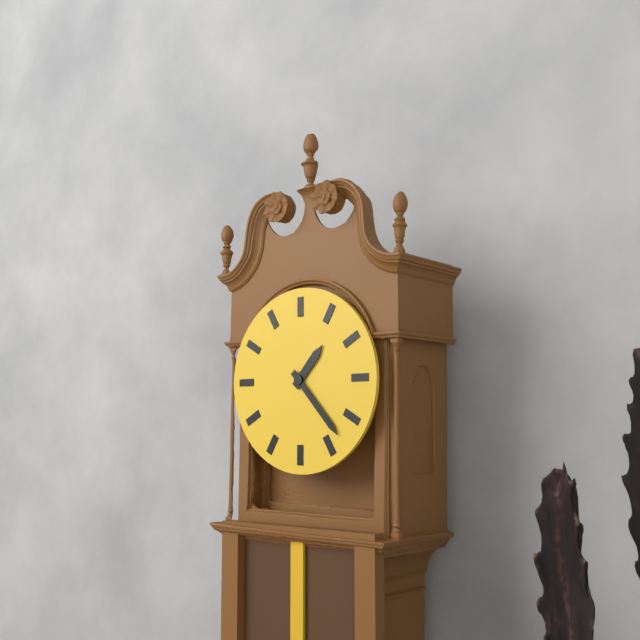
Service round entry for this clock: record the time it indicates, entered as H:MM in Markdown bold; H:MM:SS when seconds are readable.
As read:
**1:23**
